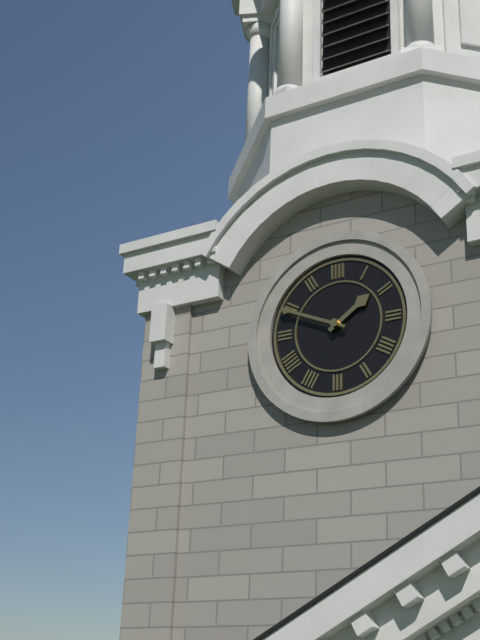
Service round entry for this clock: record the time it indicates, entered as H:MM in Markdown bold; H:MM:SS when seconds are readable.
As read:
**1:49**
